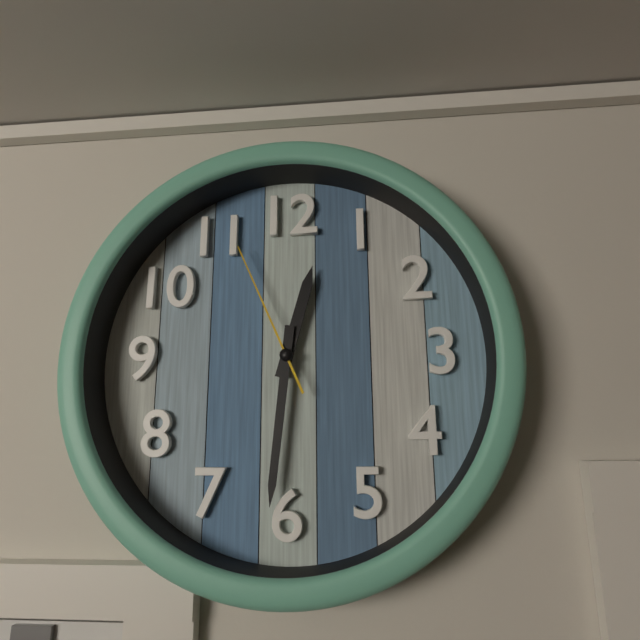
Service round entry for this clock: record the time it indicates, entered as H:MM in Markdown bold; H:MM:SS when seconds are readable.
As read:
**12:31:56**
